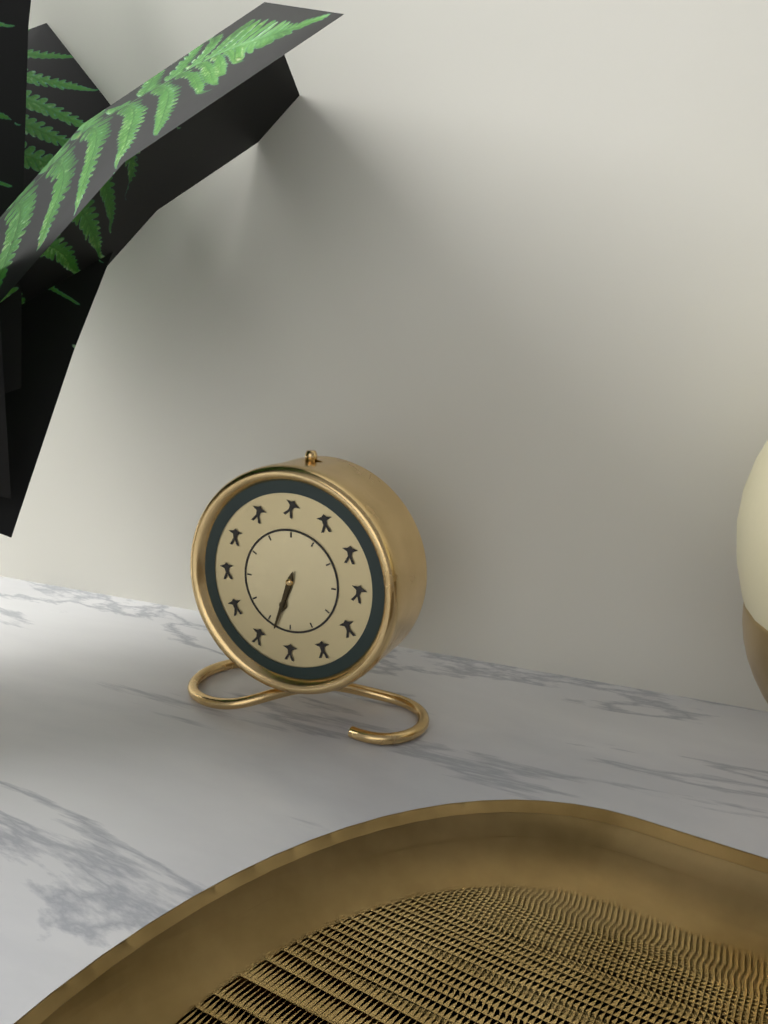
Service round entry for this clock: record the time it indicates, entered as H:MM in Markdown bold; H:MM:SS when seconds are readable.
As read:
**6:33**
